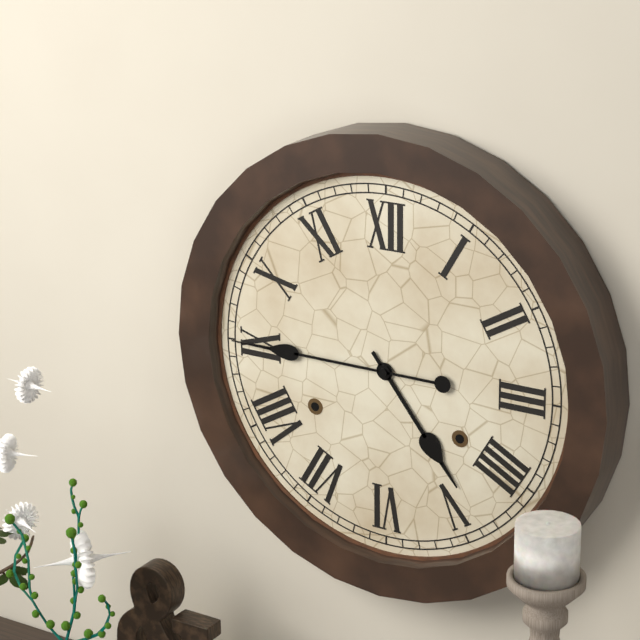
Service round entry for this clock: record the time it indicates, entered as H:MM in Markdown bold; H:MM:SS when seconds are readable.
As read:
**4:45**
